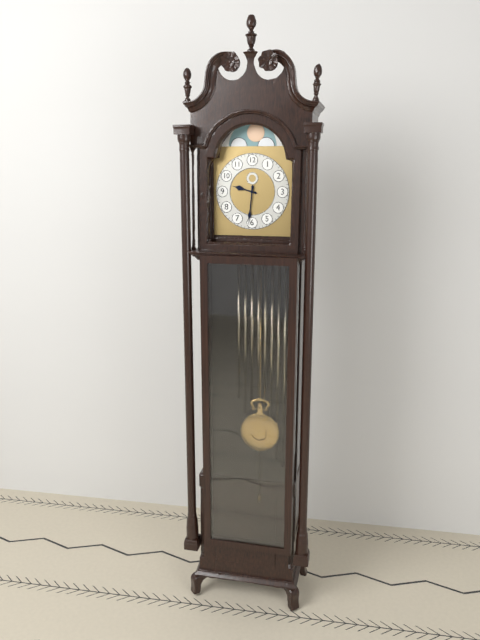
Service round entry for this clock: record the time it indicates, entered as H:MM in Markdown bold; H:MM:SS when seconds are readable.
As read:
**9:31**
